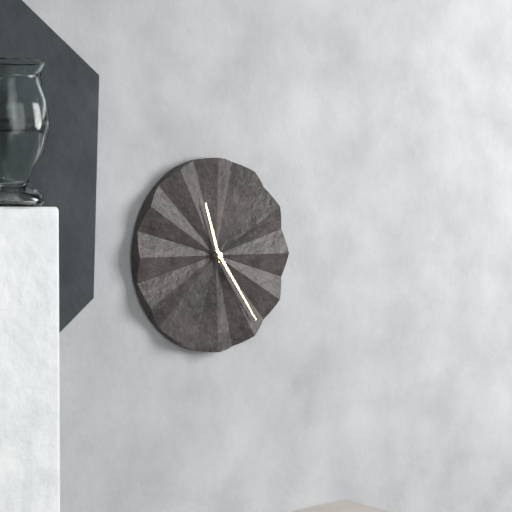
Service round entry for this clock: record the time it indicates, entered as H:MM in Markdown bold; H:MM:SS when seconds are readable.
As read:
**11:24**
